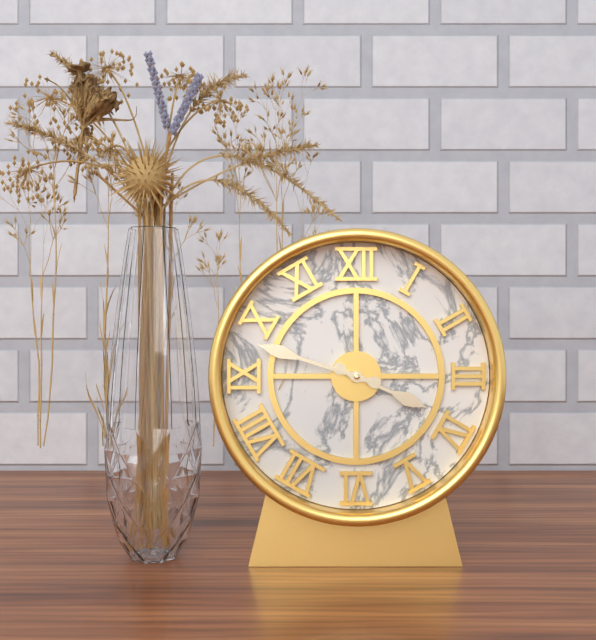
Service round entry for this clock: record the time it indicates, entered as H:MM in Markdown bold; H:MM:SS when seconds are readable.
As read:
**3:48**
